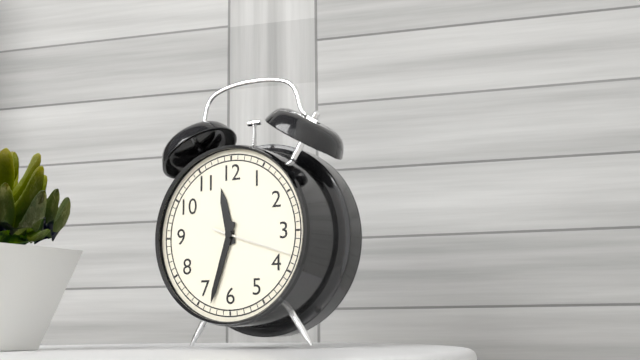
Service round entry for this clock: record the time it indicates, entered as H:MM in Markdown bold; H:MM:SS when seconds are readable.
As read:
**11:33:18**
